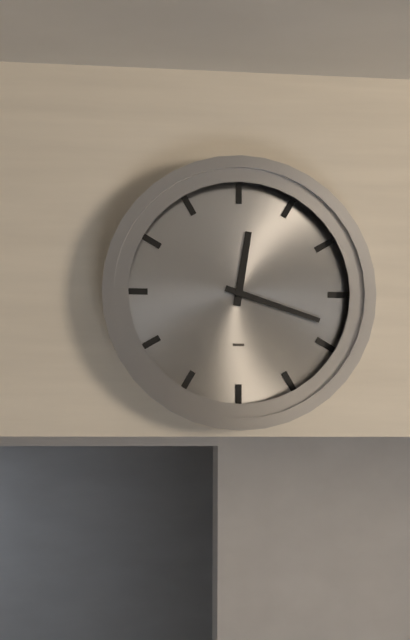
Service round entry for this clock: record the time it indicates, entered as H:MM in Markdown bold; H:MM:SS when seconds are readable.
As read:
**12:18**
